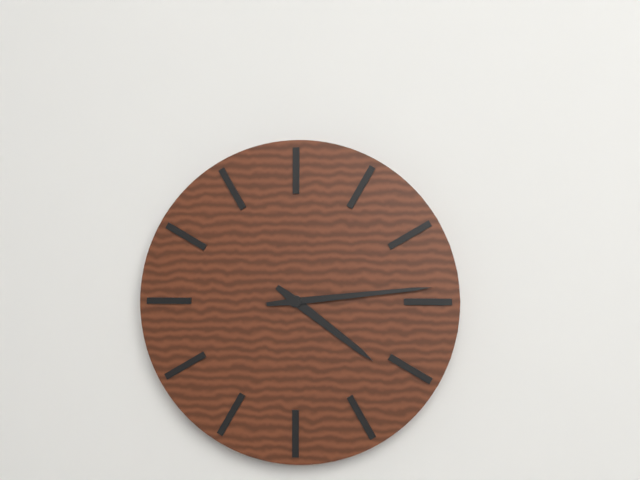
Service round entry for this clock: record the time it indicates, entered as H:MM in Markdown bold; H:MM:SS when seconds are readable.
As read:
**4:14**
